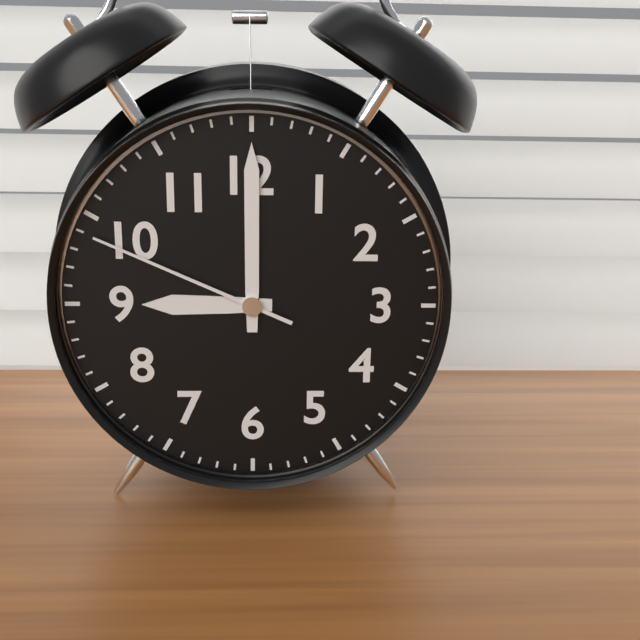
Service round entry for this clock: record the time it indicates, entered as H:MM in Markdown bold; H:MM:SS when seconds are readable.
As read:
**9:00:49**
